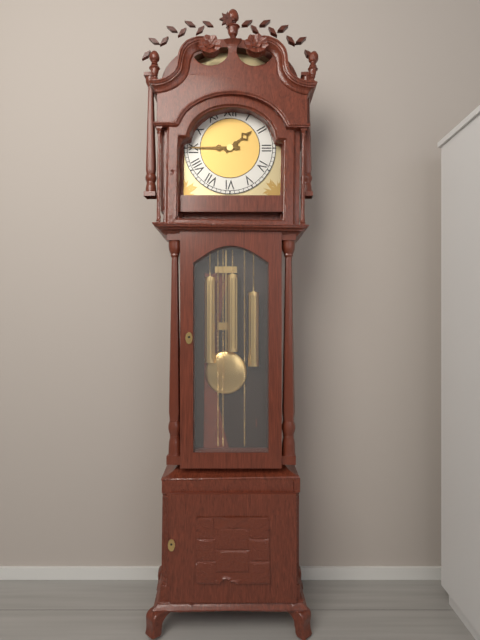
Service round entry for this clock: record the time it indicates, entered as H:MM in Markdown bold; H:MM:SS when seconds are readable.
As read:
**1:45**
